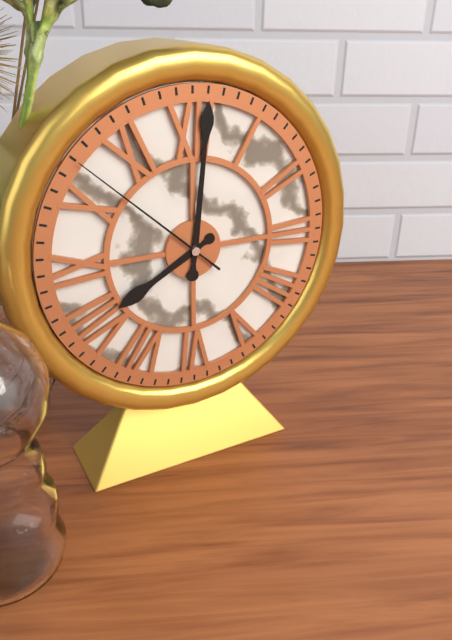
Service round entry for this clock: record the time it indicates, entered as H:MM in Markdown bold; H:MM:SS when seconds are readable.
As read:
**8:01:52**
